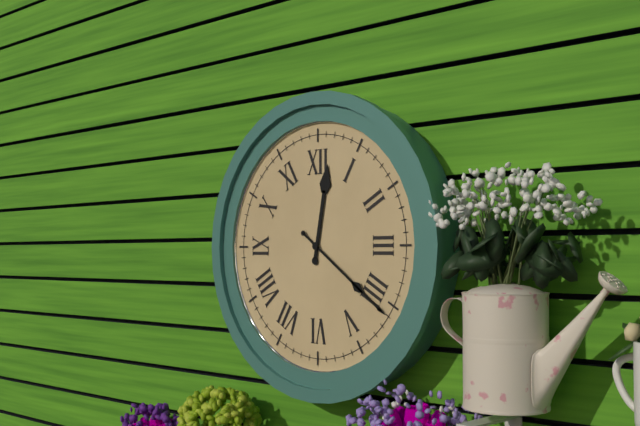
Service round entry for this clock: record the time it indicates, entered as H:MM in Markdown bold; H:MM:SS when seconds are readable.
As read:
**12:21**
